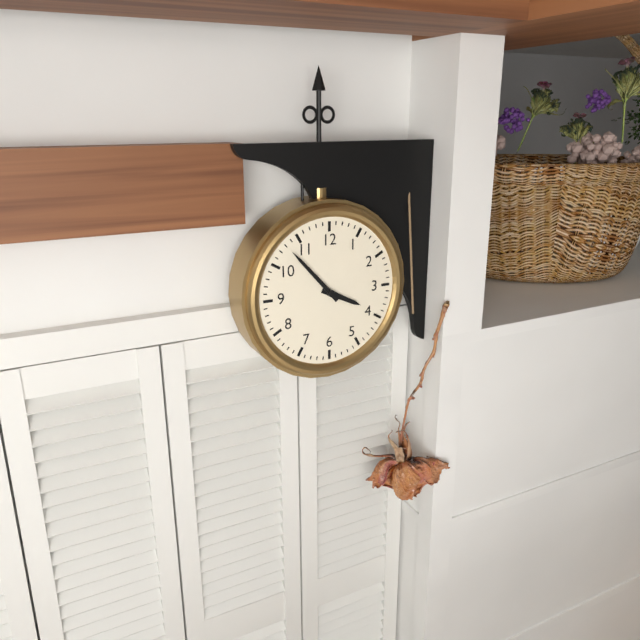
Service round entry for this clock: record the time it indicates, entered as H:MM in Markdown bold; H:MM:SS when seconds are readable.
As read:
**3:53**
